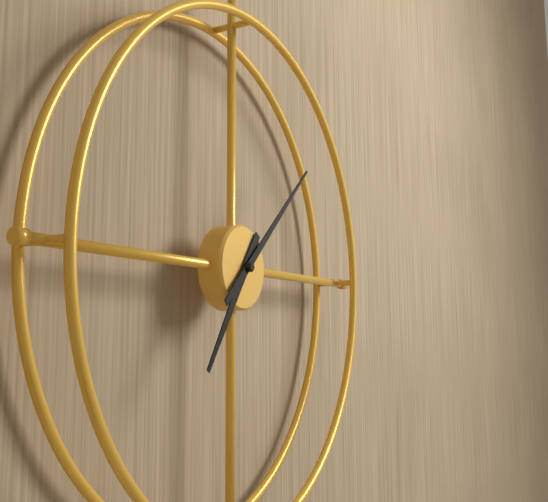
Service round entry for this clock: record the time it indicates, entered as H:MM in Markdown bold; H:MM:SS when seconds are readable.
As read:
**7:08**
